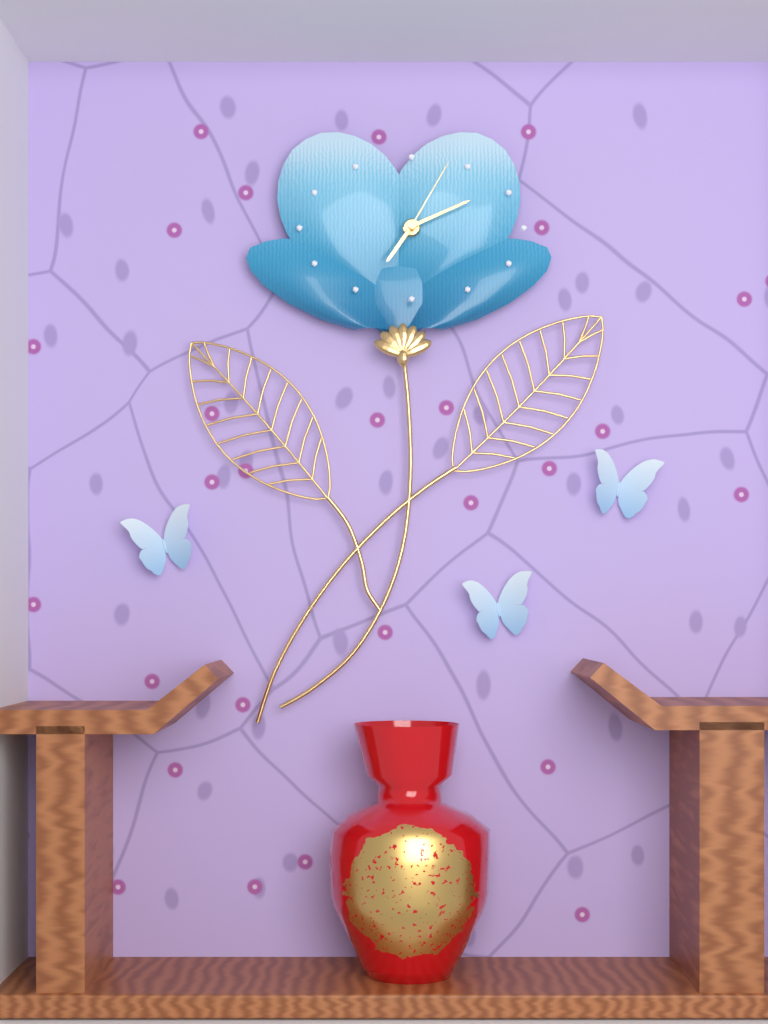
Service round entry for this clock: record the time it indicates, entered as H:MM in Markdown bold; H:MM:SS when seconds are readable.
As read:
**7:11:05**
